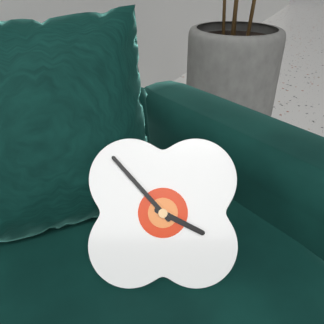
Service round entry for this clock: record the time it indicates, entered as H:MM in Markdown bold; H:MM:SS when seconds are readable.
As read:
**3:53**
